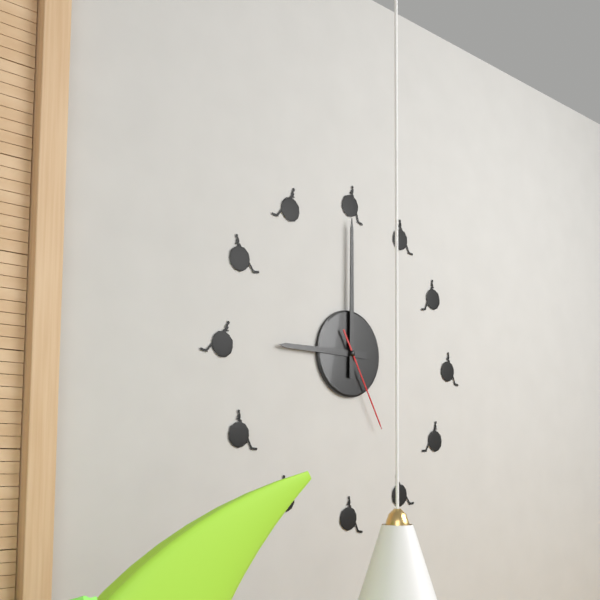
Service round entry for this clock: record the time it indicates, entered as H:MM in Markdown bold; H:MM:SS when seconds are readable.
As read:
**9:00:25**
